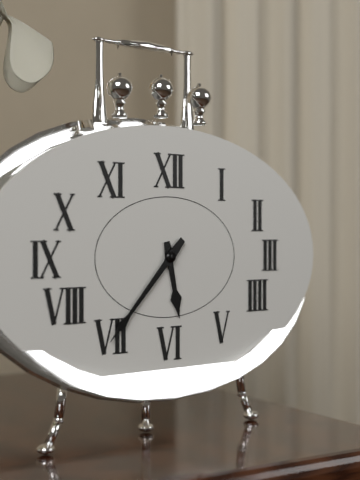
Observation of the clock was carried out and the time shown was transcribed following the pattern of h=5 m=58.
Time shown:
h=5 m=37
